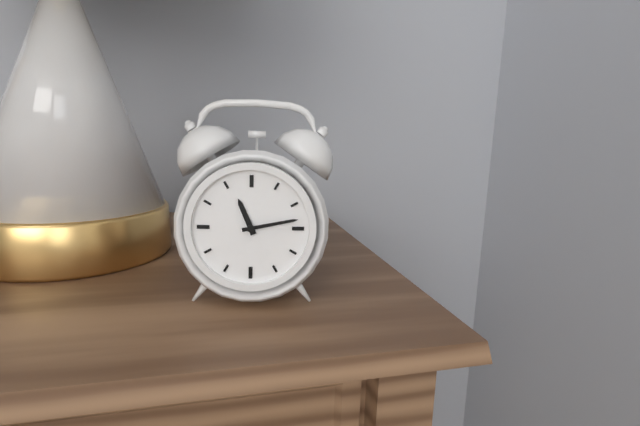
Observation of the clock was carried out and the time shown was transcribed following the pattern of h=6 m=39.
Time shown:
h=11 m=13
